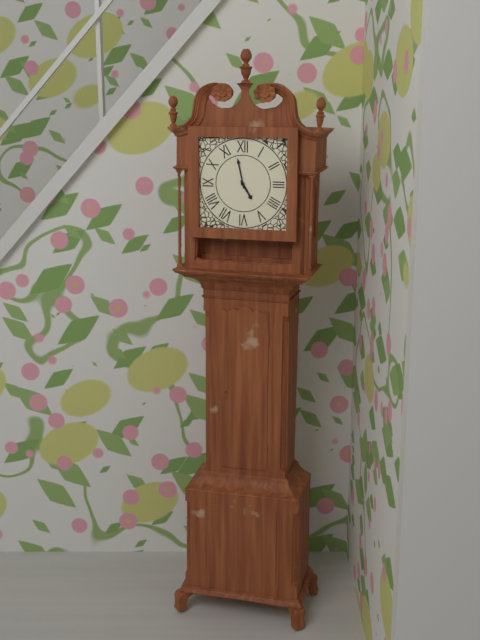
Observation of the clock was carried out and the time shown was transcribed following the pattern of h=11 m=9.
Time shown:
h=4 m=58
